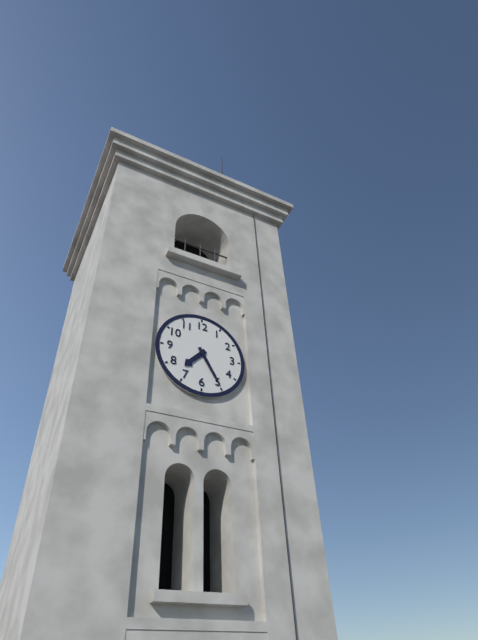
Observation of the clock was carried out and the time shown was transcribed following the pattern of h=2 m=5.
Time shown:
h=7 m=25
